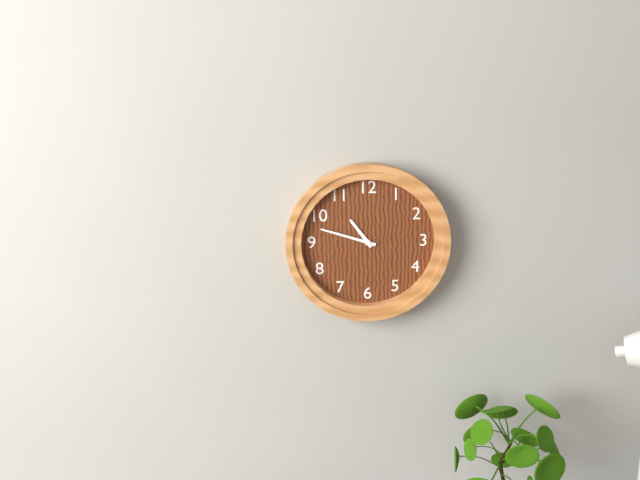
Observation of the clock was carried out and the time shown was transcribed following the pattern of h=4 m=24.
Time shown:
h=10 m=48
